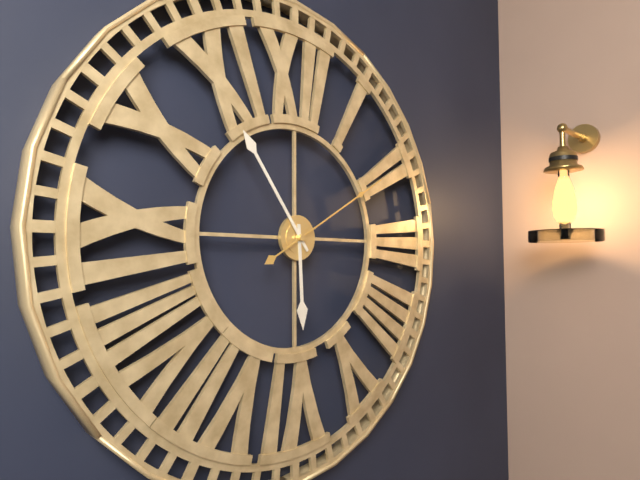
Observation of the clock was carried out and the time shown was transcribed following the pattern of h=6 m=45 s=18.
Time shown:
h=5 m=54 s=10
